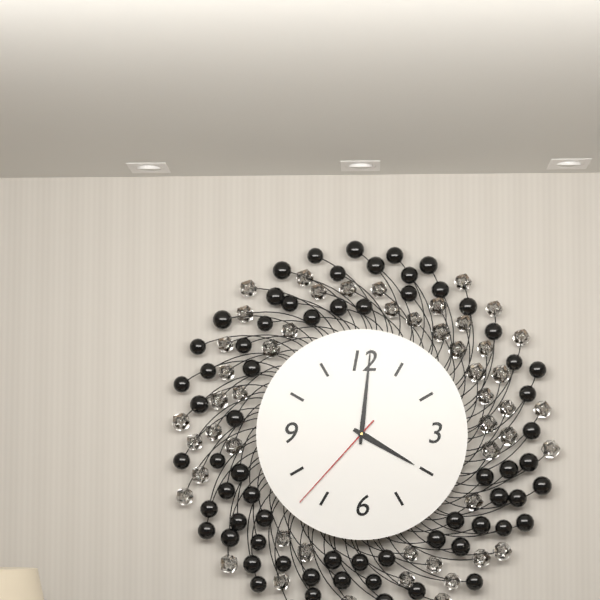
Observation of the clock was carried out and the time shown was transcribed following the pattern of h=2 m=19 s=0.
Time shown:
h=4 m=1 s=37
